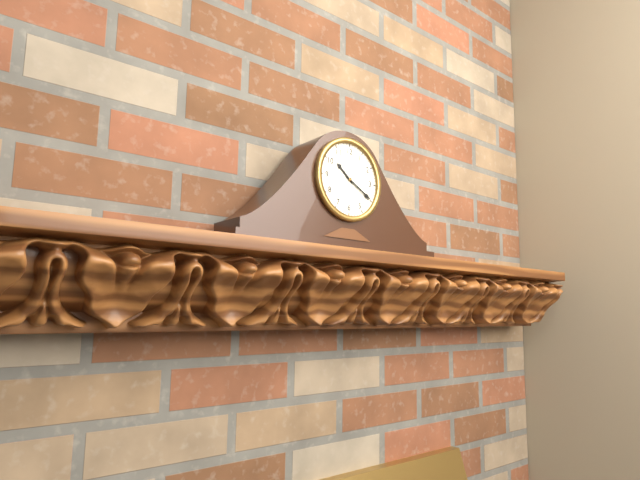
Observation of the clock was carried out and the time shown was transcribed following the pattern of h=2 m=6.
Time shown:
h=10 m=20
